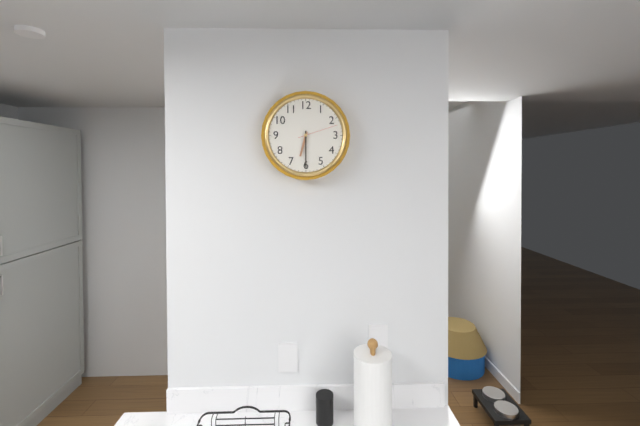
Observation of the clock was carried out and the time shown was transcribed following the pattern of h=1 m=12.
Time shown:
h=6 m=30
